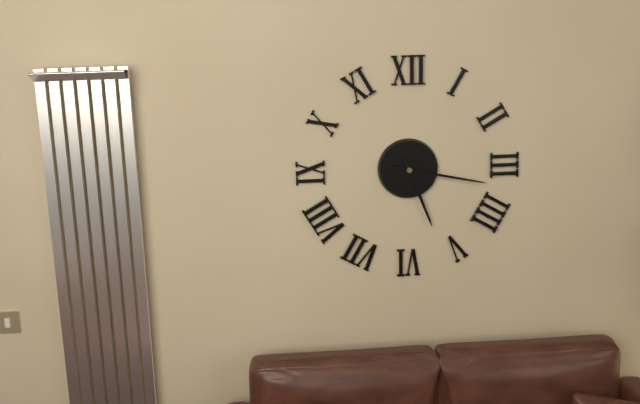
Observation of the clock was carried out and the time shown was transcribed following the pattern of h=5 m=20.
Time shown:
h=5 m=17
